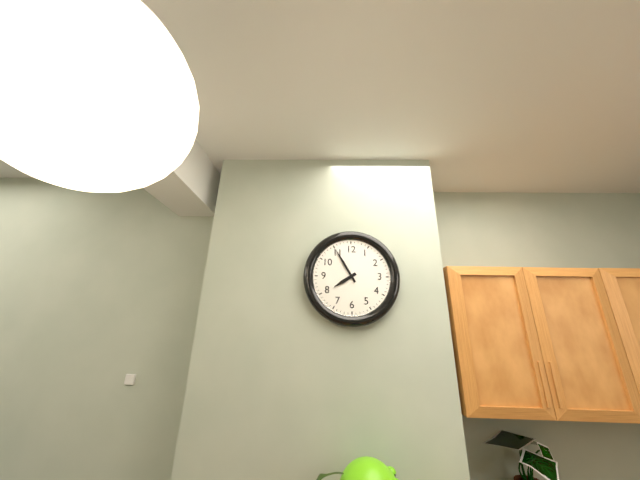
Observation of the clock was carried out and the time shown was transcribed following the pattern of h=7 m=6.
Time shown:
h=7 m=55
